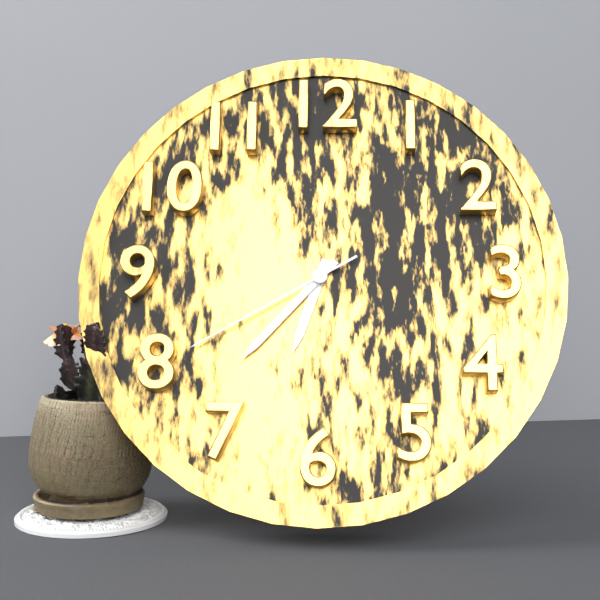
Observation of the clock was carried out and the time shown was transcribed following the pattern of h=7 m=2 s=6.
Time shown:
h=6 m=37 s=40
